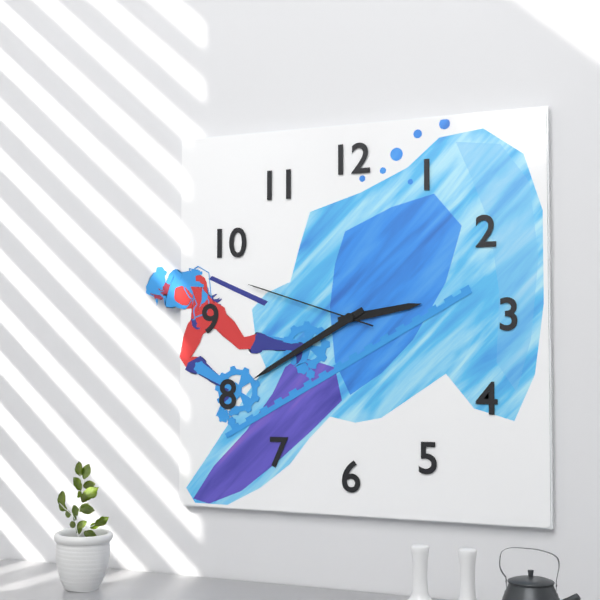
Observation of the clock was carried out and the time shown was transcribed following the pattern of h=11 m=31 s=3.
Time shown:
h=2 m=40 s=48
